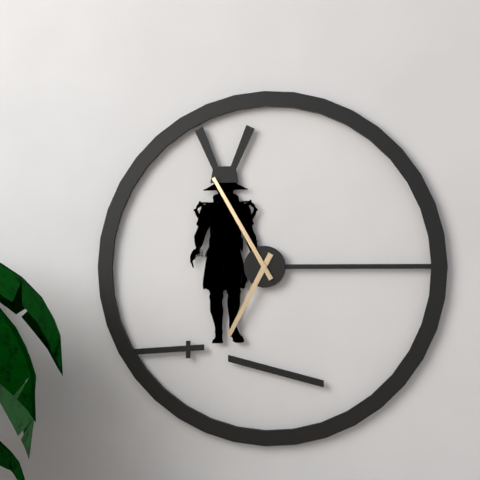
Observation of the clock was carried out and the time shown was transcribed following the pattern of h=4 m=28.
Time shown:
h=6 m=55
